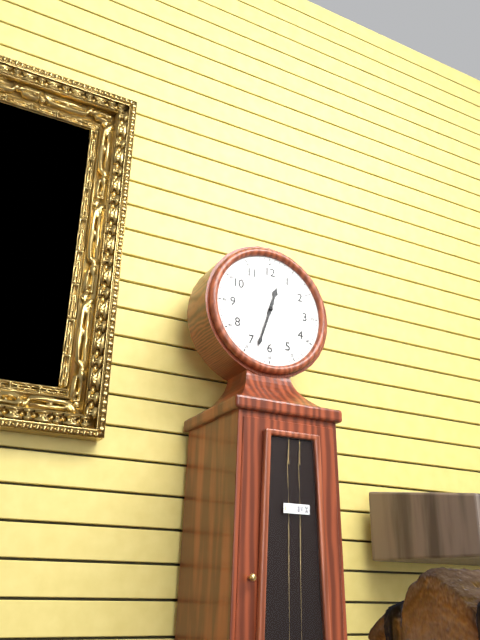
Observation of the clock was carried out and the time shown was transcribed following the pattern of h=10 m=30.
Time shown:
h=12 m=33
